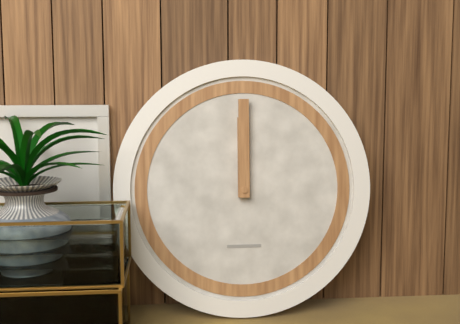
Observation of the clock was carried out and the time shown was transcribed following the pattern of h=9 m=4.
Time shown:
h=12 m=0
